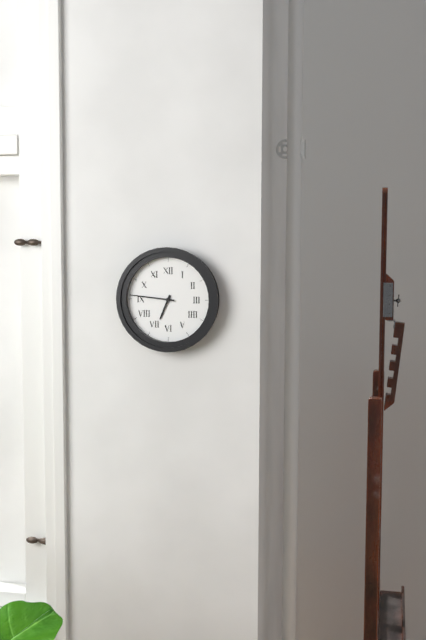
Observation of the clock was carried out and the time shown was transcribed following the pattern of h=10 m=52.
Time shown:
h=6 m=46
